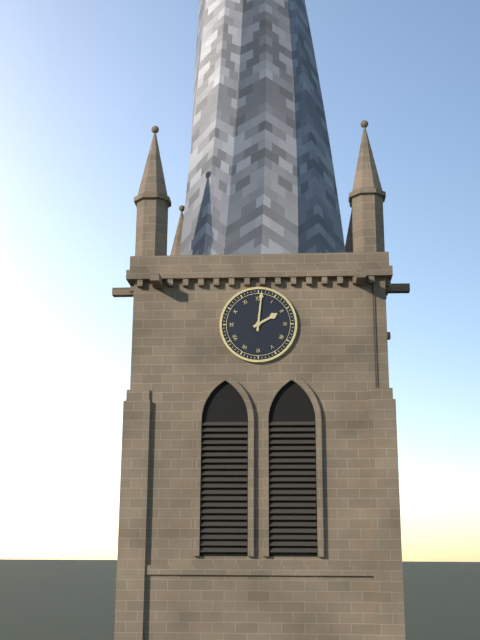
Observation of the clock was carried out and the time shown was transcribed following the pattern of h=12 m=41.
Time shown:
h=2 m=1
